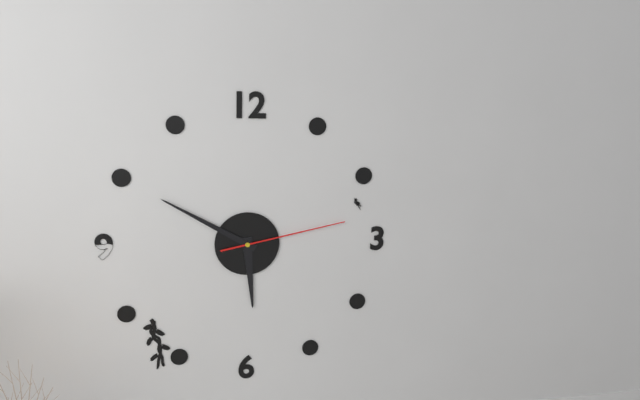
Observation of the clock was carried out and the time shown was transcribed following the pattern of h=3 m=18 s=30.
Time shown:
h=5 m=50 s=13
